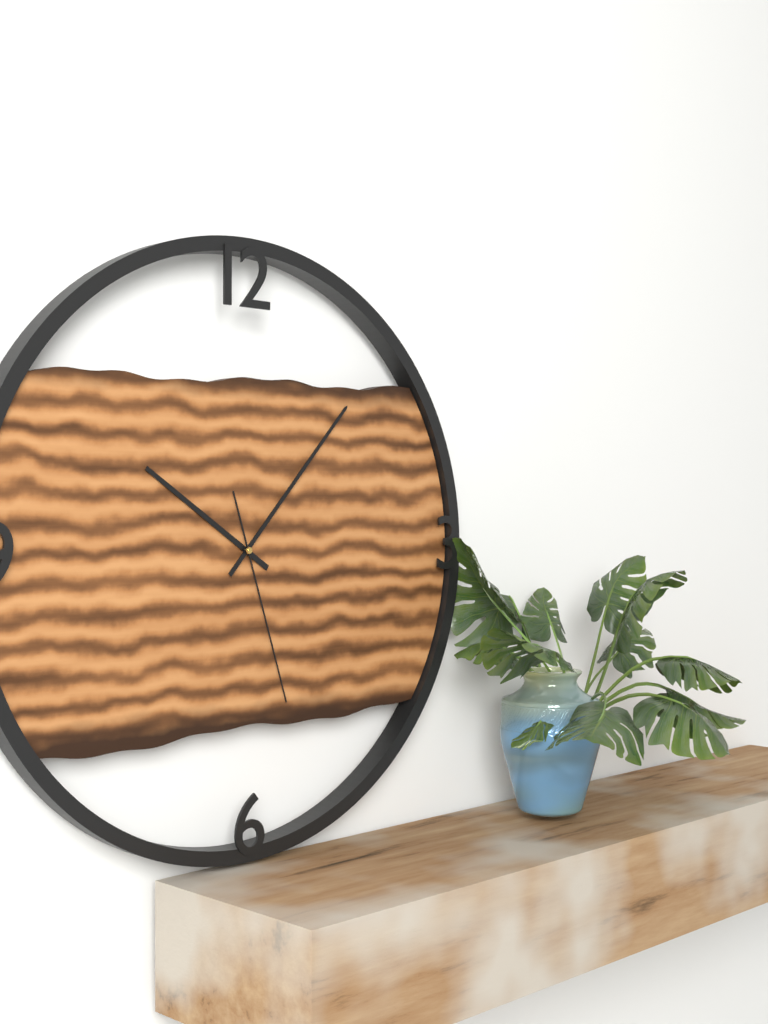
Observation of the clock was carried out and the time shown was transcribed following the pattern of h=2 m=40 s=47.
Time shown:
h=10 m=7 s=27
